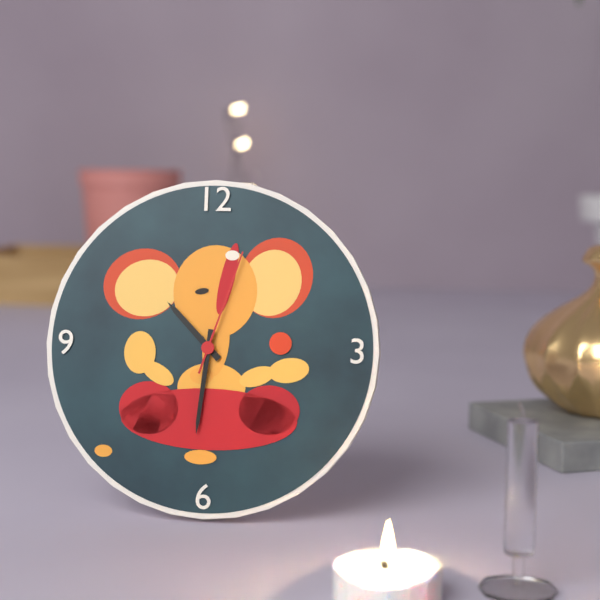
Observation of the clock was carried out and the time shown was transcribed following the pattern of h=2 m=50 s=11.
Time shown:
h=10 m=31 s=3
